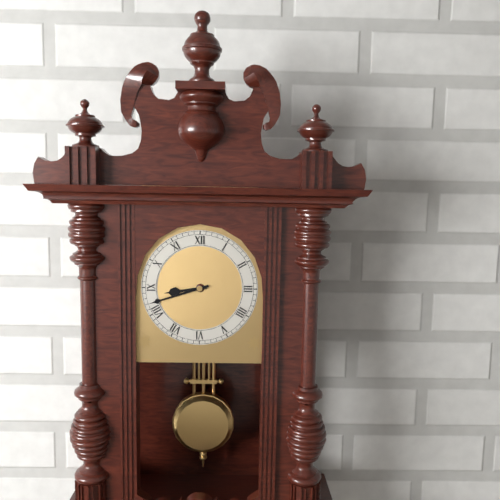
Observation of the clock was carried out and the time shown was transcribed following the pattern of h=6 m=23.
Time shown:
h=8 m=42
